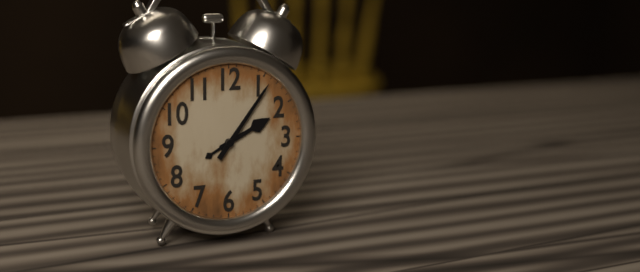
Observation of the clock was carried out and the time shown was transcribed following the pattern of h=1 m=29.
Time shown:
h=2 m=6
